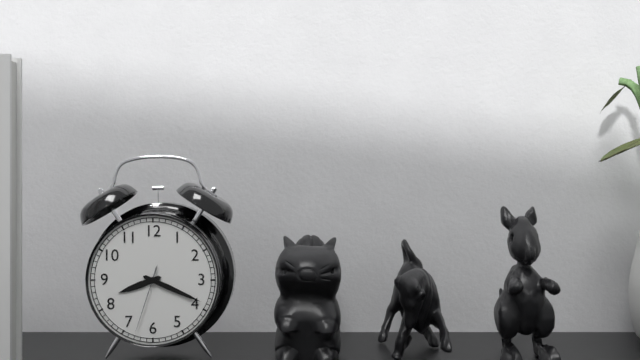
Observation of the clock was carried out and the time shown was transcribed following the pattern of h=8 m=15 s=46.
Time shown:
h=8 m=19 s=33
